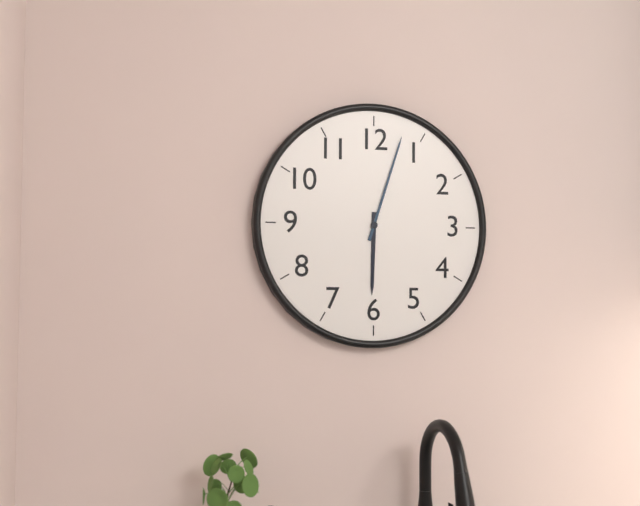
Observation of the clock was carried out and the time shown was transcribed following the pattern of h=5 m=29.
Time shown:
h=6 m=3
